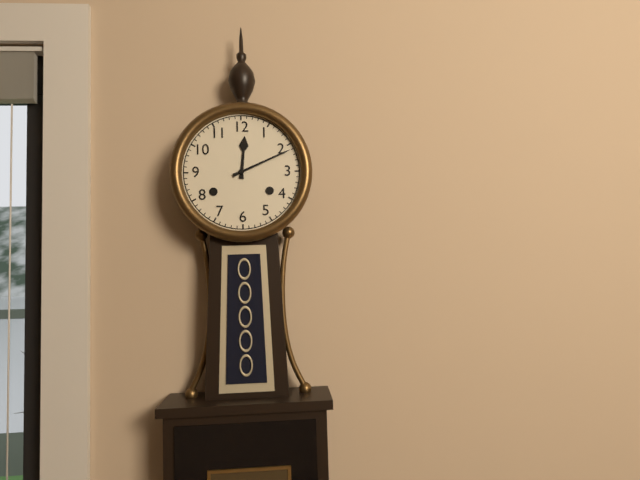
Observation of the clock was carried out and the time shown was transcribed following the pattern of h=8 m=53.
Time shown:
h=12 m=11
